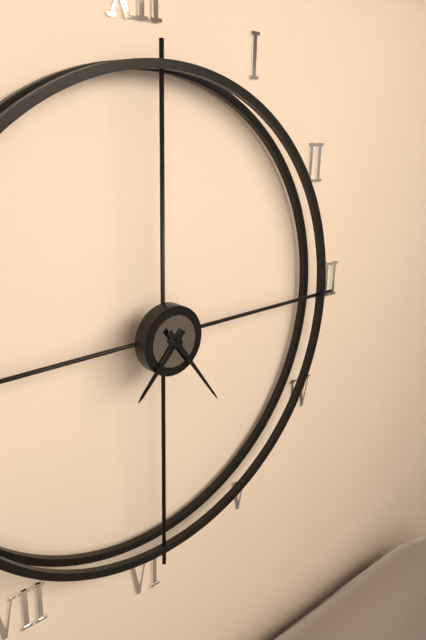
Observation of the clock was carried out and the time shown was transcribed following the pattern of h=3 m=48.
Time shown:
h=7 m=24
